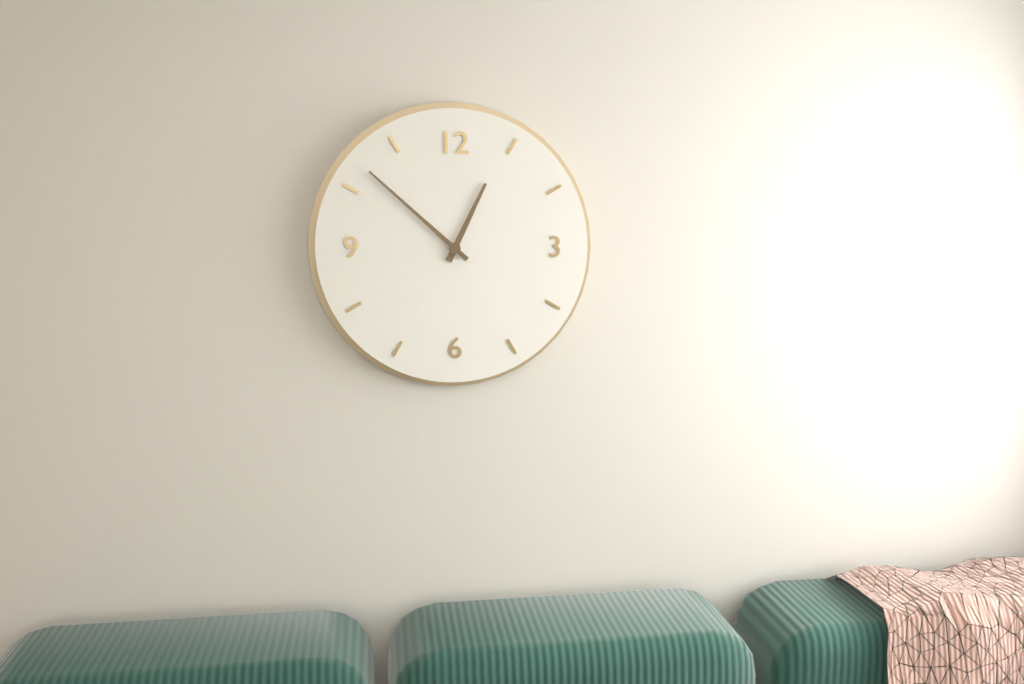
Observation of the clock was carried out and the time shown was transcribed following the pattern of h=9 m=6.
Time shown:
h=12 m=52
